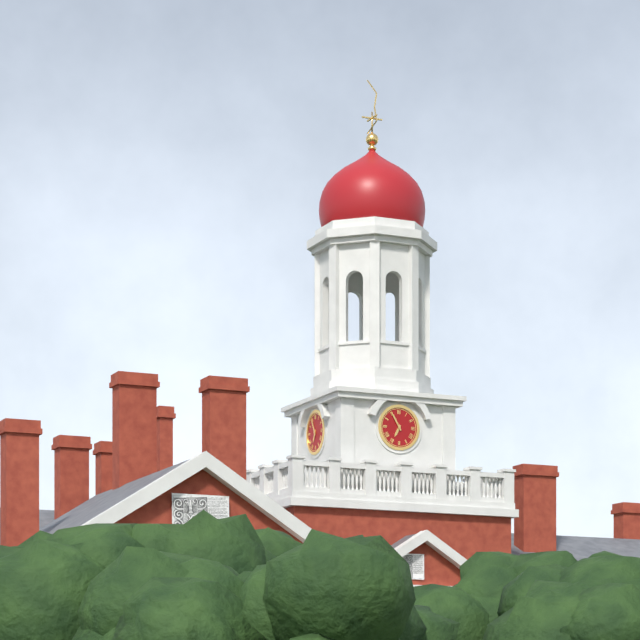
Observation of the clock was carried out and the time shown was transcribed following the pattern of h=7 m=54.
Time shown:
h=6 m=55
